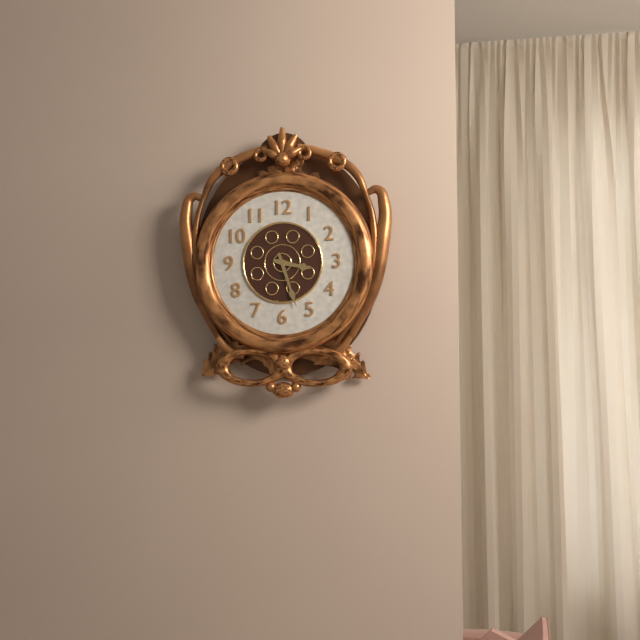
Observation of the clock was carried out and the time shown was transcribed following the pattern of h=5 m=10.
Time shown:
h=3 m=27
